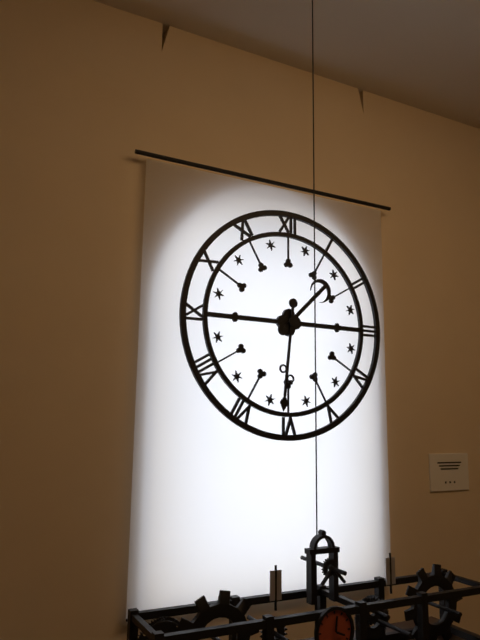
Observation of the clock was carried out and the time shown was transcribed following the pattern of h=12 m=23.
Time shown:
h=1 m=31
